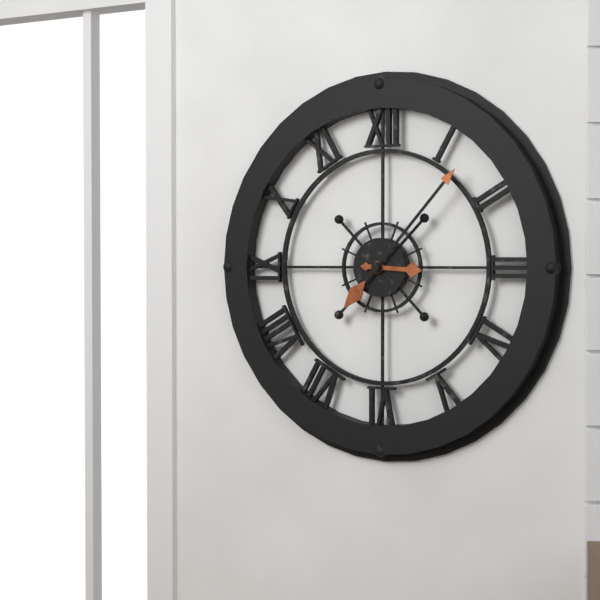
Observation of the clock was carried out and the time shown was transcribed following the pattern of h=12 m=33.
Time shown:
h=3 m=7
